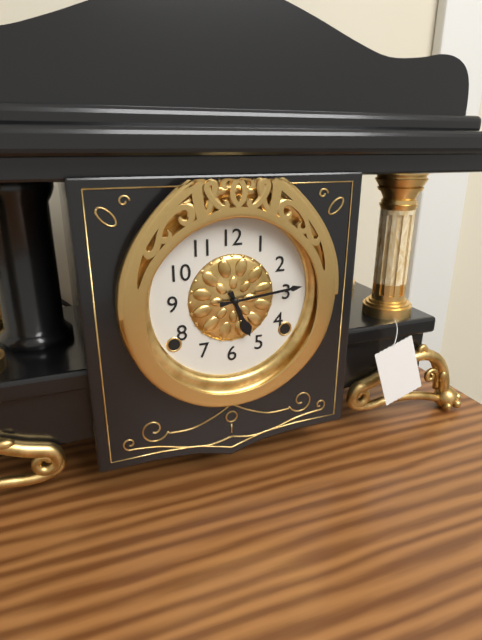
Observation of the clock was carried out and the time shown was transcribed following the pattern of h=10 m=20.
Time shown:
h=5 m=14
